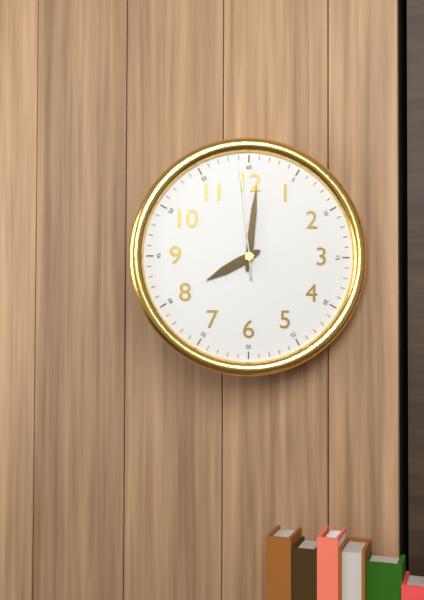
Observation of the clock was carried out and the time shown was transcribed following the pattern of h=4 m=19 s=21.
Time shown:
h=8 m=1 s=59
